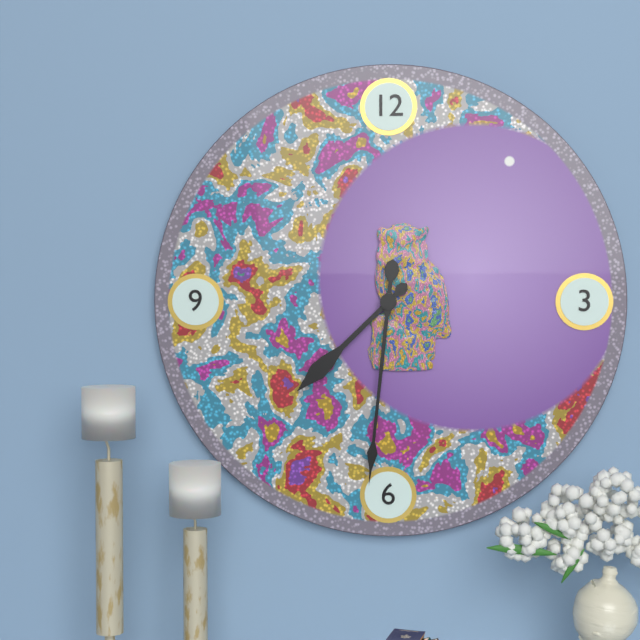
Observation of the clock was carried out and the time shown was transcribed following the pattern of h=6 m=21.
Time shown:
h=7 m=31
